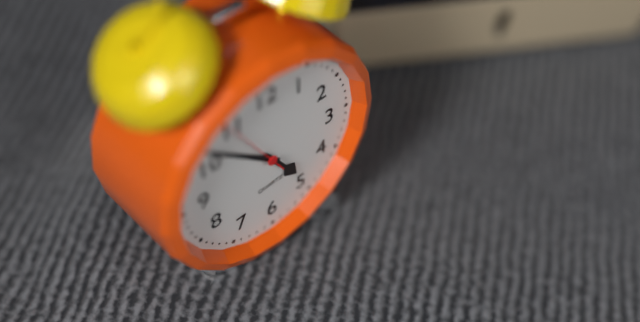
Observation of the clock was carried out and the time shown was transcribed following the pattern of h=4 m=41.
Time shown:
h=4 m=52
